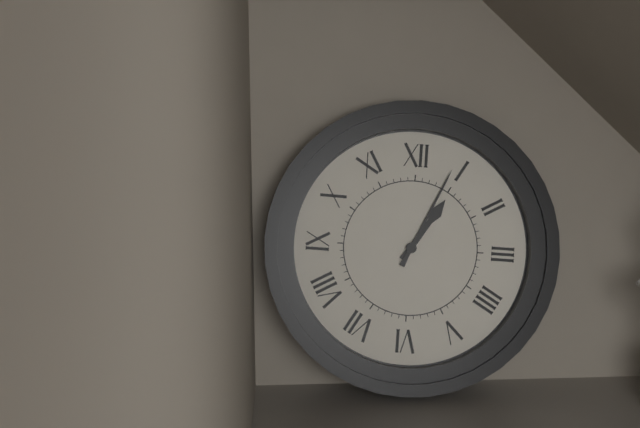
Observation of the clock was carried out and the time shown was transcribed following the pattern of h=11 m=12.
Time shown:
h=1 m=4
